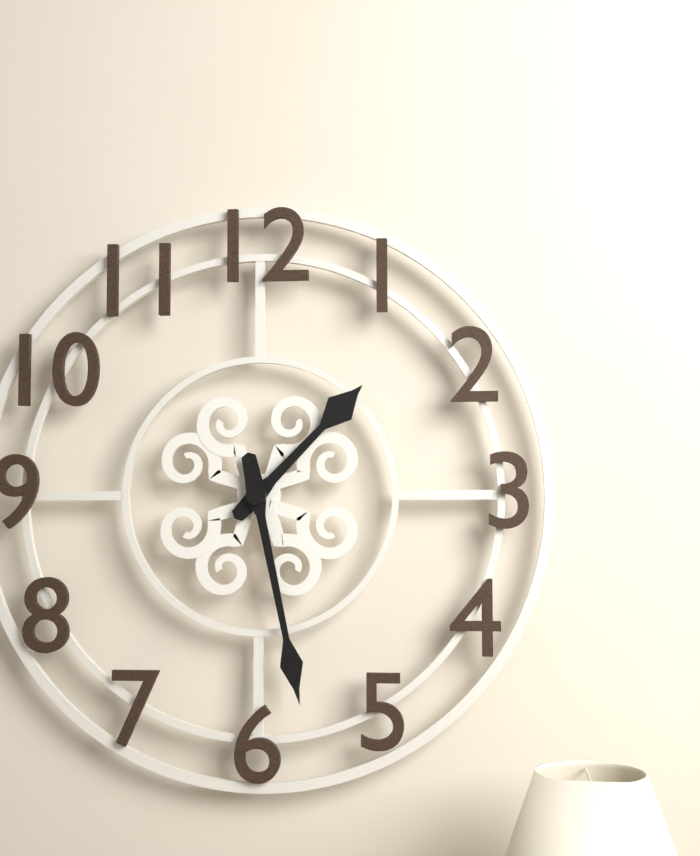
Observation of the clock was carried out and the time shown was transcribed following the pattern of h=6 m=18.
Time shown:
h=1 m=28
